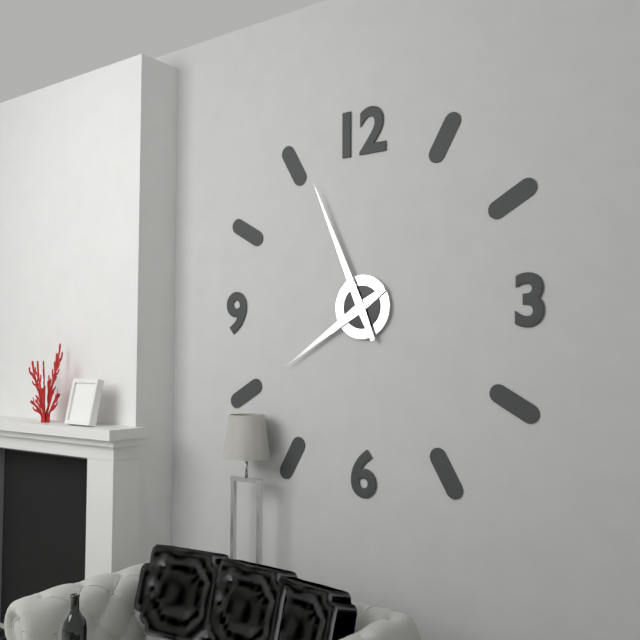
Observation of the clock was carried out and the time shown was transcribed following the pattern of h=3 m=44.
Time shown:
h=7 m=56
